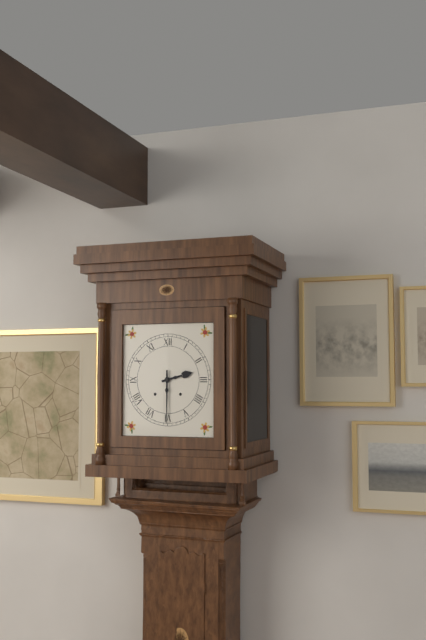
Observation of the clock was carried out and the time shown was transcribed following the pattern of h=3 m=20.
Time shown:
h=2 m=30
